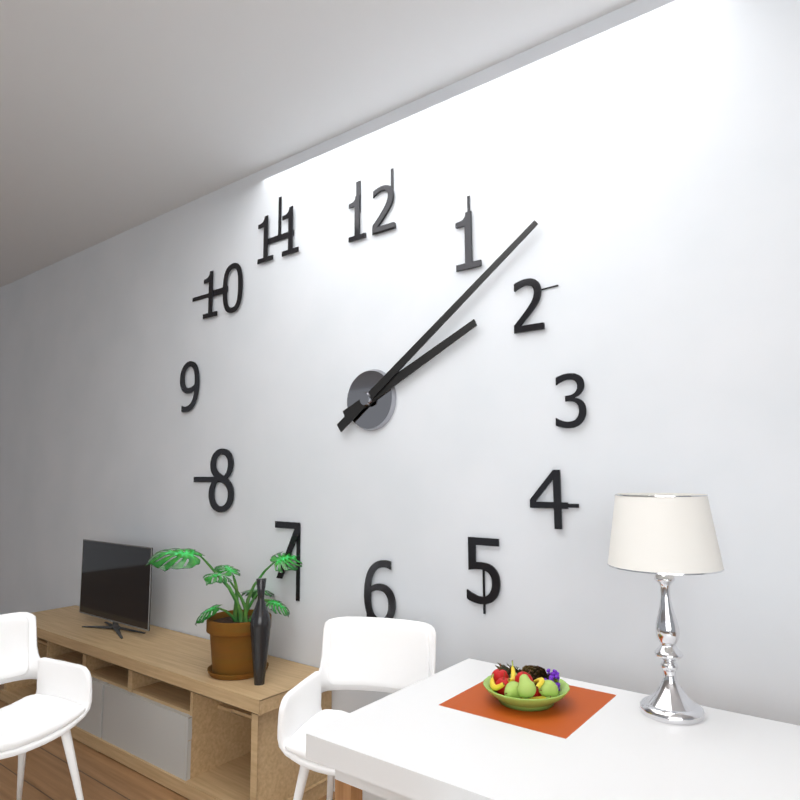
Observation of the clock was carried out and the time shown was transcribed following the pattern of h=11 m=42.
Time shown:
h=2 m=9
